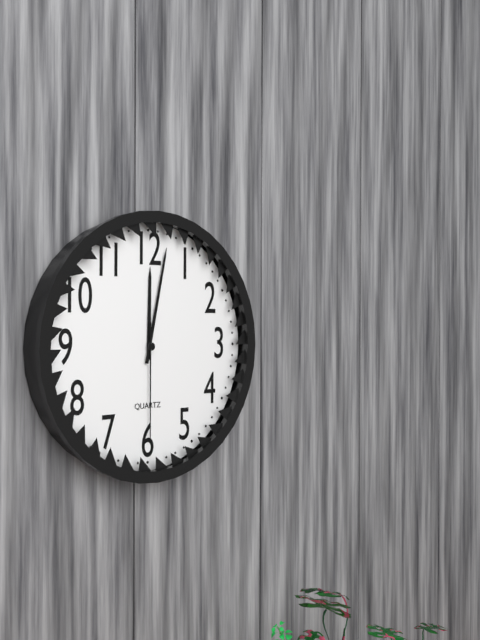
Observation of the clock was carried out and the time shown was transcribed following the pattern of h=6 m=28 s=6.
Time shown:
h=12 m=2 s=30
